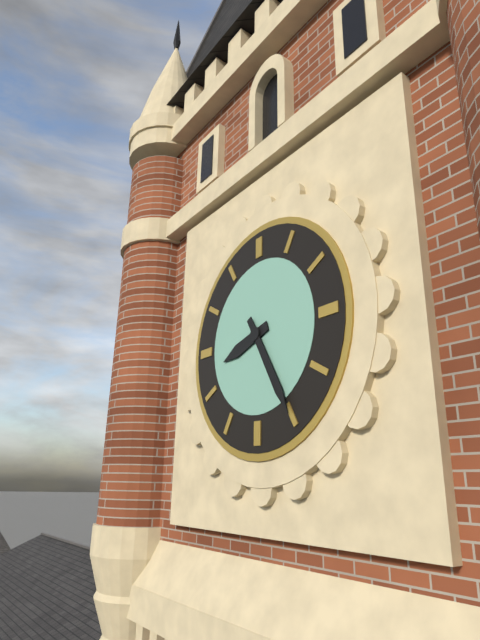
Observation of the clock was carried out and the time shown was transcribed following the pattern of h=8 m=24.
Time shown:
h=8 m=25
